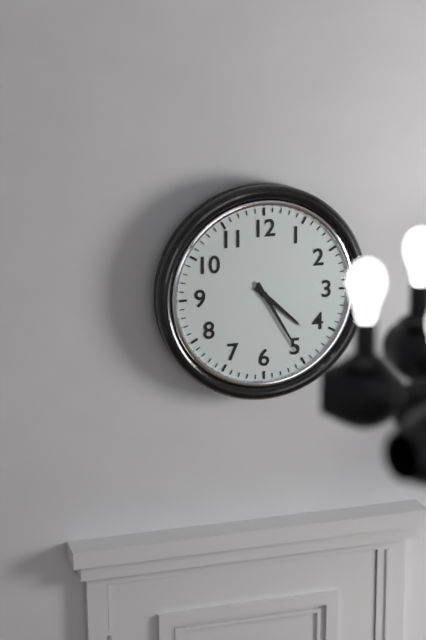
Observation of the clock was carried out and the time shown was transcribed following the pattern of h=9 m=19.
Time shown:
h=4 m=25
